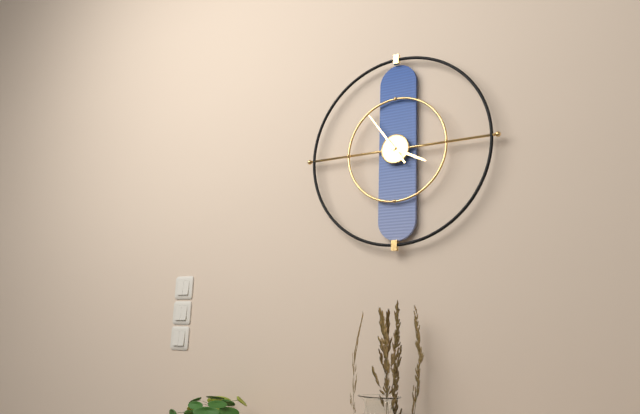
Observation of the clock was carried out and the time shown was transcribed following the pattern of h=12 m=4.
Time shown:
h=3 m=54
